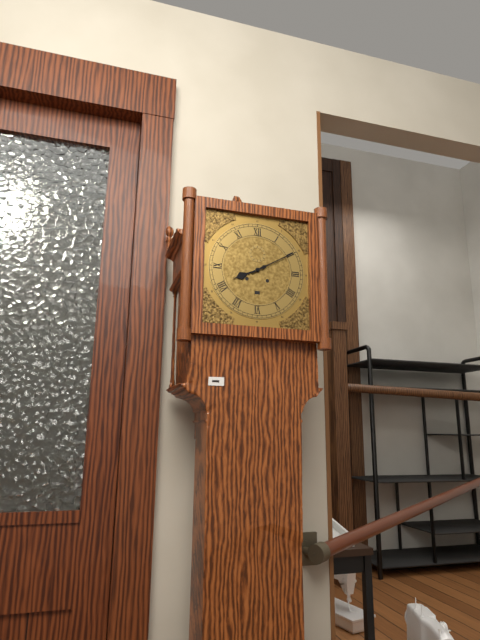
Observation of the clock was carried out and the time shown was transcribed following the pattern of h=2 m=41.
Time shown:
h=8 m=10
